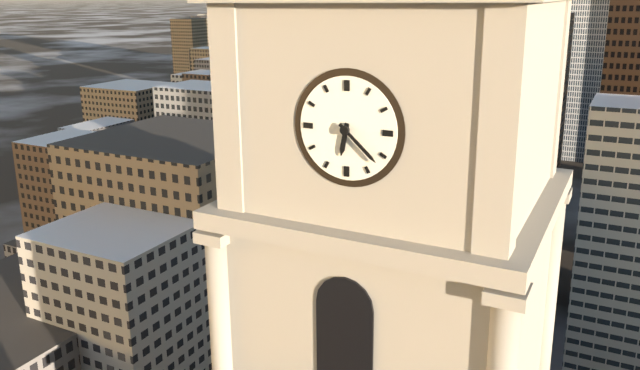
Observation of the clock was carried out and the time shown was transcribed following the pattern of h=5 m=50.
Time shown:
h=6 m=22
